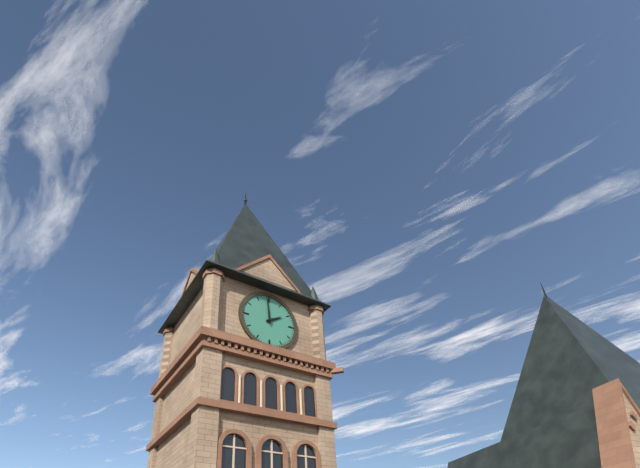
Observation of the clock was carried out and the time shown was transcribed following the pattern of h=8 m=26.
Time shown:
h=1 m=59
